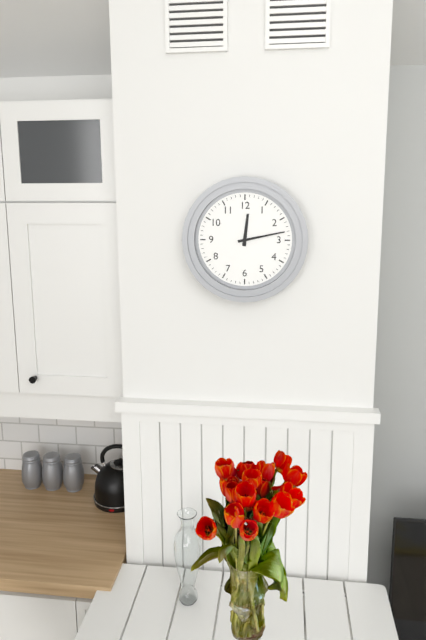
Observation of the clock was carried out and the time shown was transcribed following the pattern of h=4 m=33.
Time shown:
h=12 m=13
